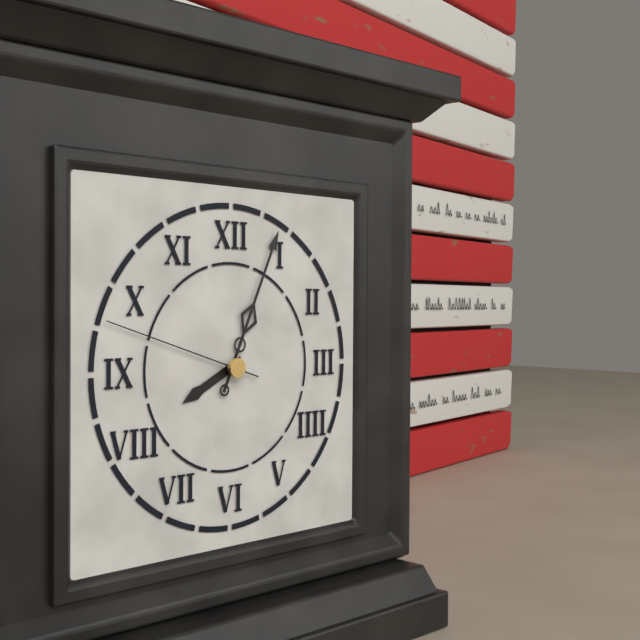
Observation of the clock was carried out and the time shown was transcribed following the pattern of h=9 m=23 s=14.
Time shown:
h=8 m=4 s=48
